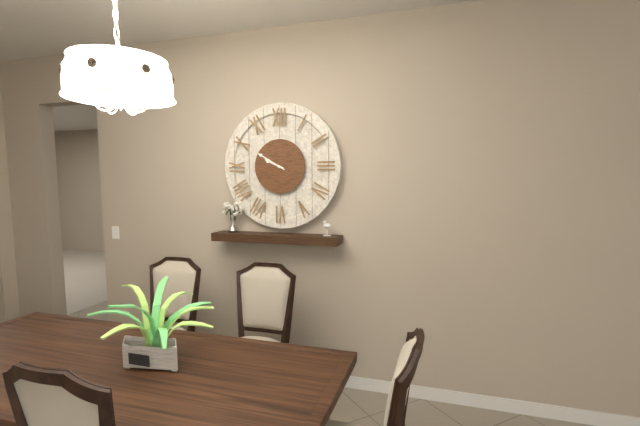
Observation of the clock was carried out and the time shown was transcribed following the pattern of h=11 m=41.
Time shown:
h=9 m=50
